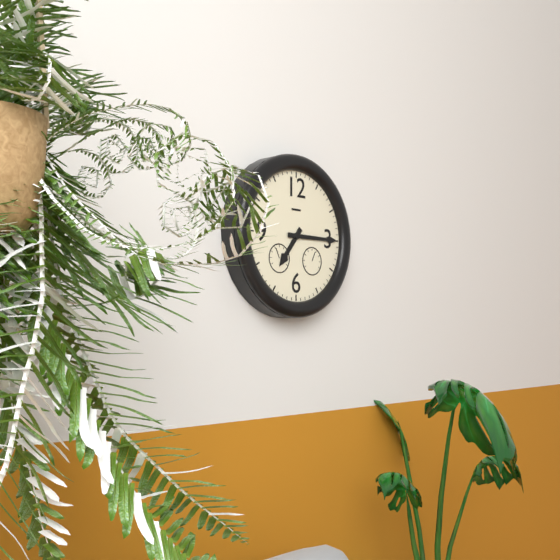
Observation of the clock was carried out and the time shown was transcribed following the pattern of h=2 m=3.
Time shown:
h=7 m=15
